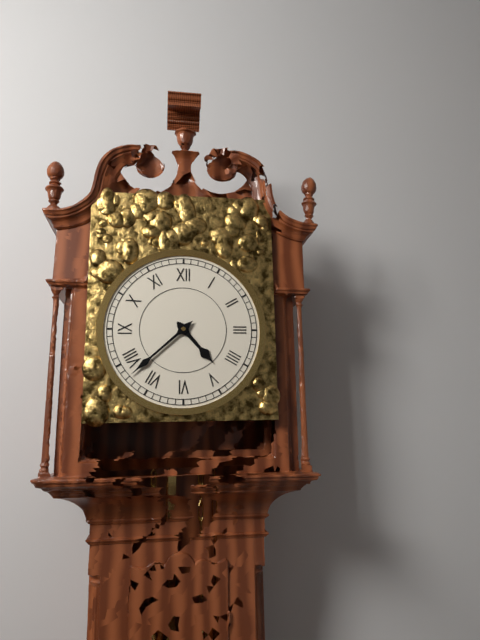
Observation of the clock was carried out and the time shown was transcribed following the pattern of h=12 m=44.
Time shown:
h=4 m=38
